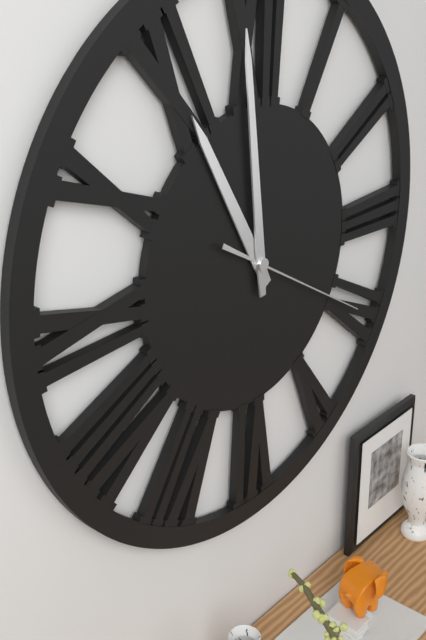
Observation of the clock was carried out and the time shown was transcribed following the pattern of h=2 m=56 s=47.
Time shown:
h=10 m=59 s=20
